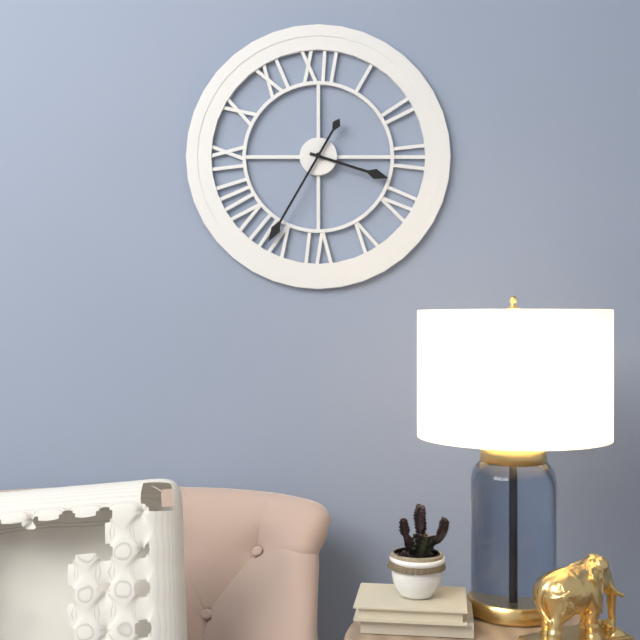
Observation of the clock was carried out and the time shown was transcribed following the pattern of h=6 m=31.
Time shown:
h=3 m=35
